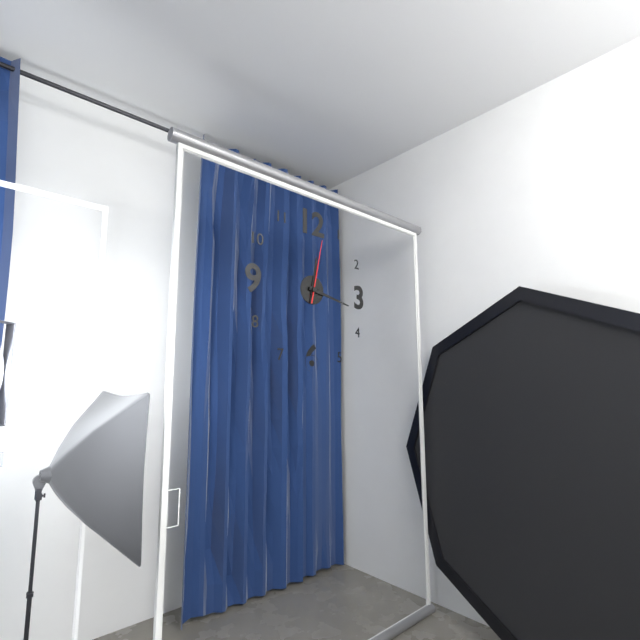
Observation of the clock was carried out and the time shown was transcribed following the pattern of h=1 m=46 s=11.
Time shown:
h=12 m=17 s=2
